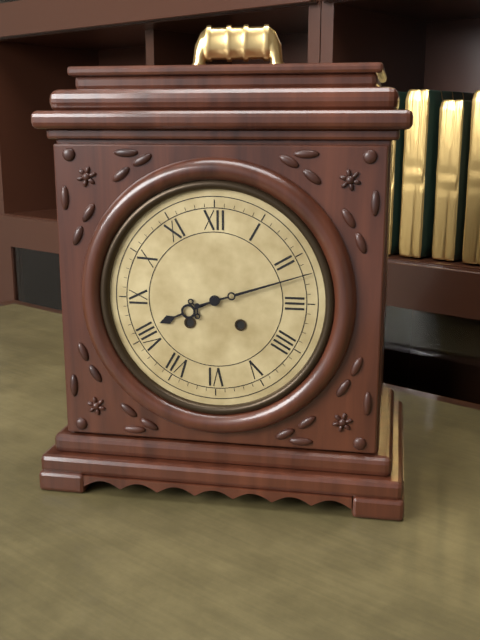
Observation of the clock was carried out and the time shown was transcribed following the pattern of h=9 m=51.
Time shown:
h=8 m=12
